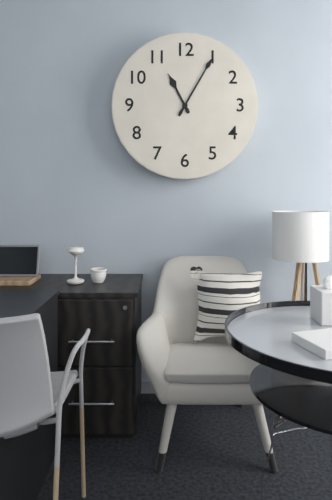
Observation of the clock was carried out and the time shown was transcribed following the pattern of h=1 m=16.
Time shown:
h=11 m=5
